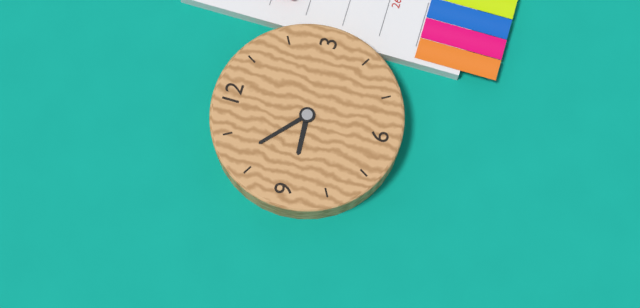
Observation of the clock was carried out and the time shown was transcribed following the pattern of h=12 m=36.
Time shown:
h=8 m=52
